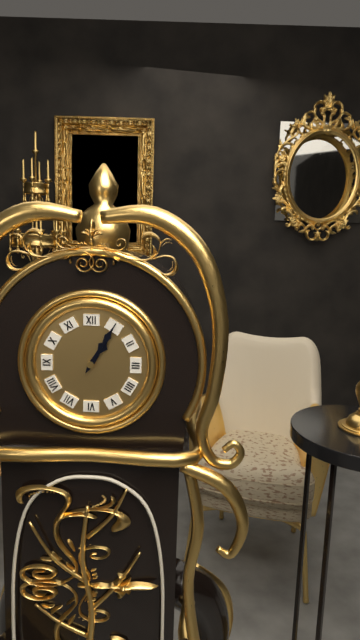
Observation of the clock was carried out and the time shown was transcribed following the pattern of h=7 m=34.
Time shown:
h=1 m=5
